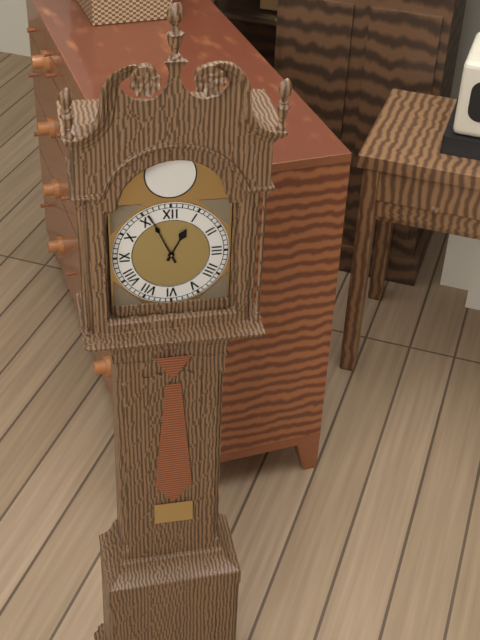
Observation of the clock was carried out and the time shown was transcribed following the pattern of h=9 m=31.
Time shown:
h=12 m=56
